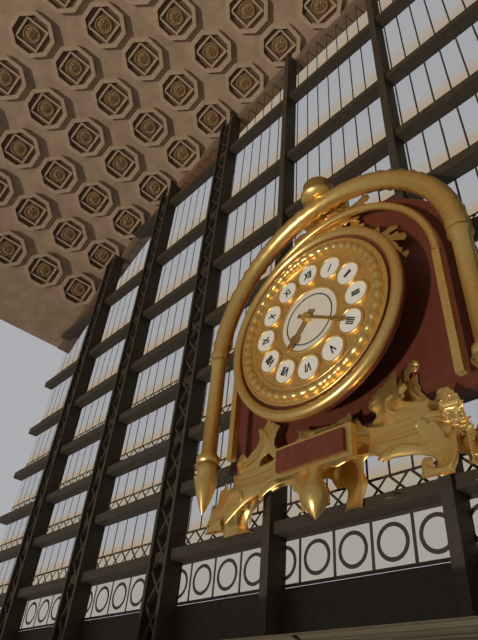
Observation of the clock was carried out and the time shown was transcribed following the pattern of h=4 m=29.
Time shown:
h=7 m=20
